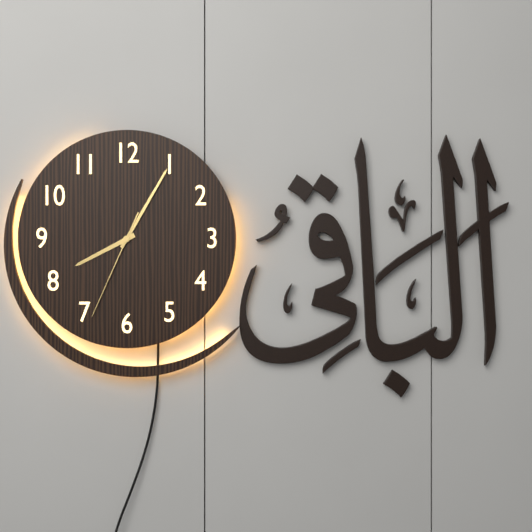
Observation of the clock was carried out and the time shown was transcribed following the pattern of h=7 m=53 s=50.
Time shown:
h=8 m=5 s=34
